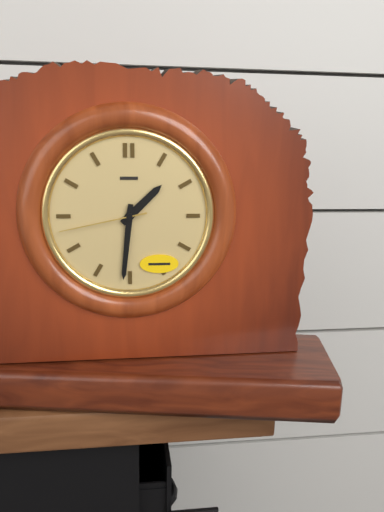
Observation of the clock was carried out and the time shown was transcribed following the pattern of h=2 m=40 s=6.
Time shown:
h=1 m=31 s=43
